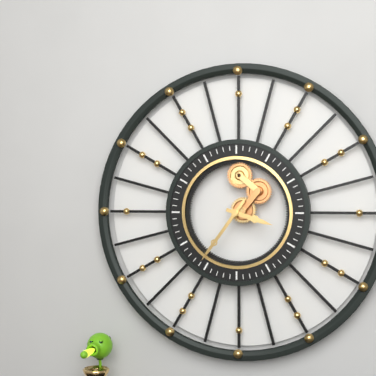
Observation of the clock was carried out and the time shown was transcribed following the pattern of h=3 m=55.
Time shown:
h=3 m=36
